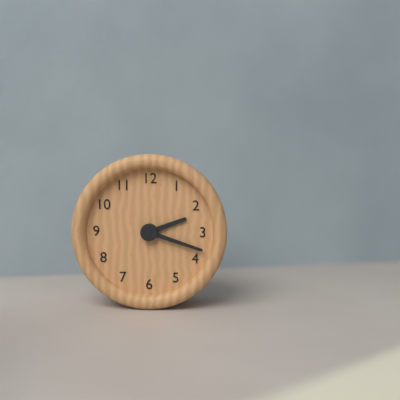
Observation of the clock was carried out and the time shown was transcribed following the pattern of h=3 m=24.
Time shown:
h=2 m=18
